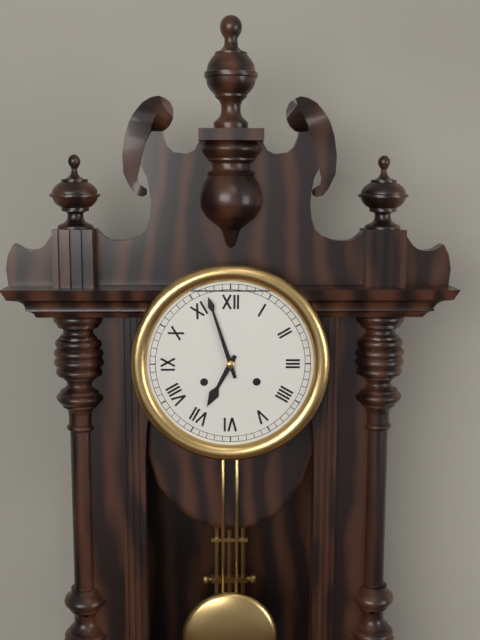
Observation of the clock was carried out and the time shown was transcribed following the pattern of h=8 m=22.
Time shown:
h=6 m=57
